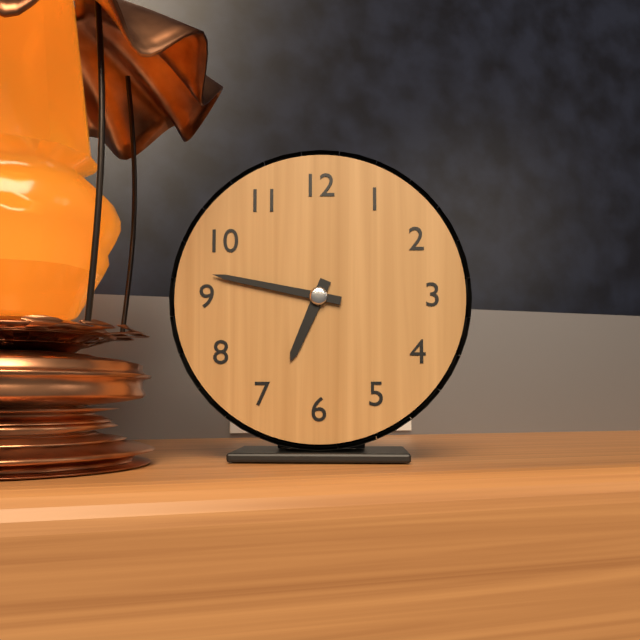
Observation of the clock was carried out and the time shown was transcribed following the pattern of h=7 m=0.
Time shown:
h=6 m=47
